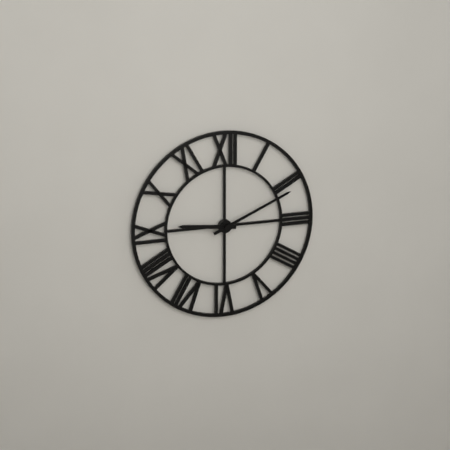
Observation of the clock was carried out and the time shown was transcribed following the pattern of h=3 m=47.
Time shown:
h=9 m=11
